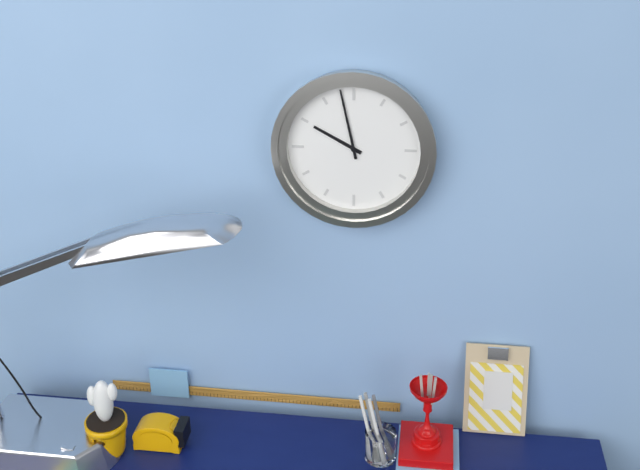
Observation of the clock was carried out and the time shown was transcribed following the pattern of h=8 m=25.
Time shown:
h=9 m=58
